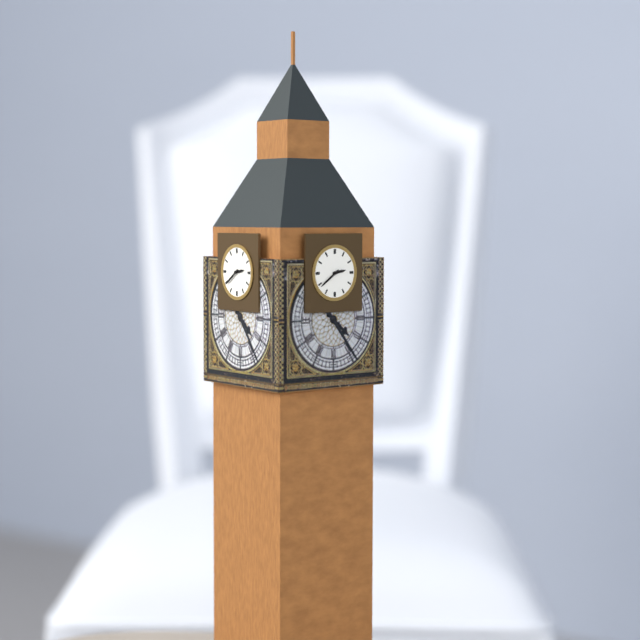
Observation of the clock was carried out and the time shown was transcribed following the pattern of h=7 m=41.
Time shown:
h=2 m=39
